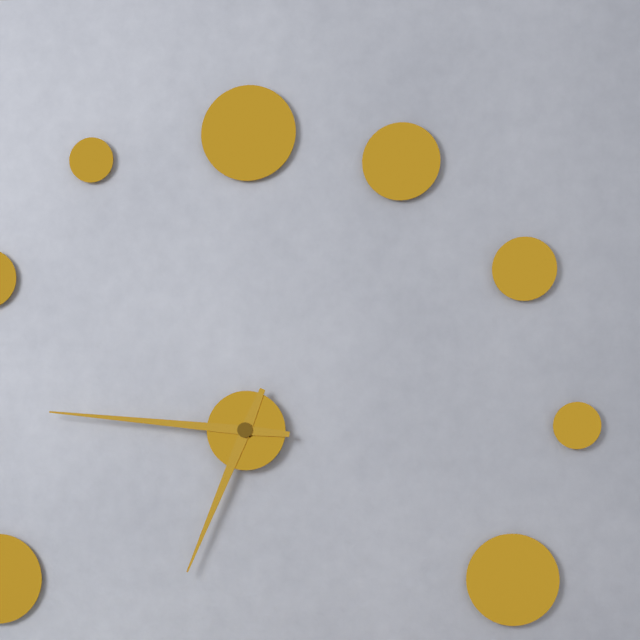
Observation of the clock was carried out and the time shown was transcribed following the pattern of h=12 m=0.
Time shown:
h=6 m=46
